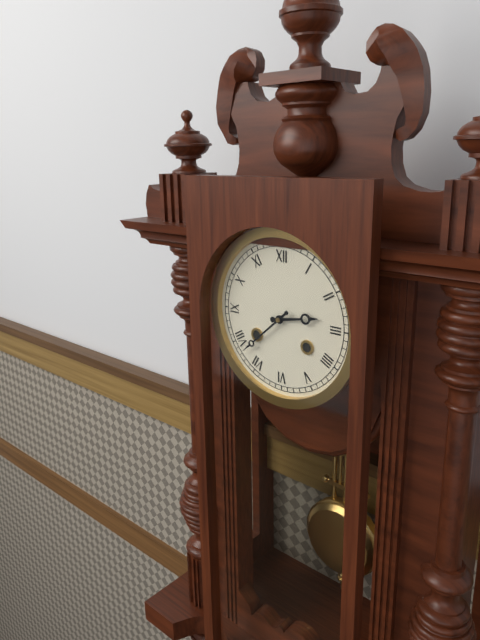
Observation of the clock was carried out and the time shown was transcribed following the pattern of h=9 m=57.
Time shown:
h=2 m=38
